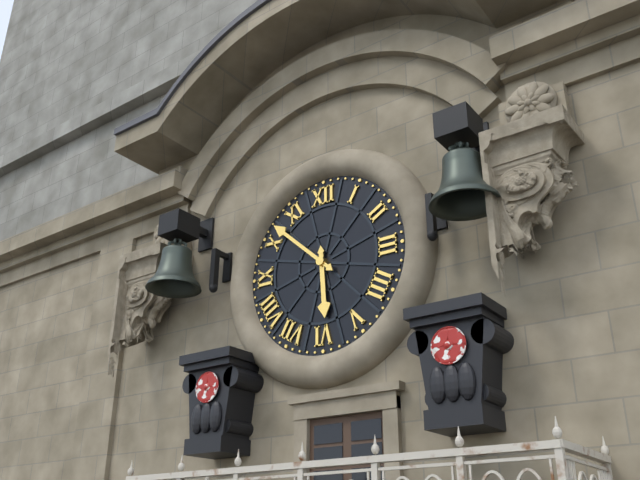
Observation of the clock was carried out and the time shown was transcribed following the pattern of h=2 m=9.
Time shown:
h=5 m=52
